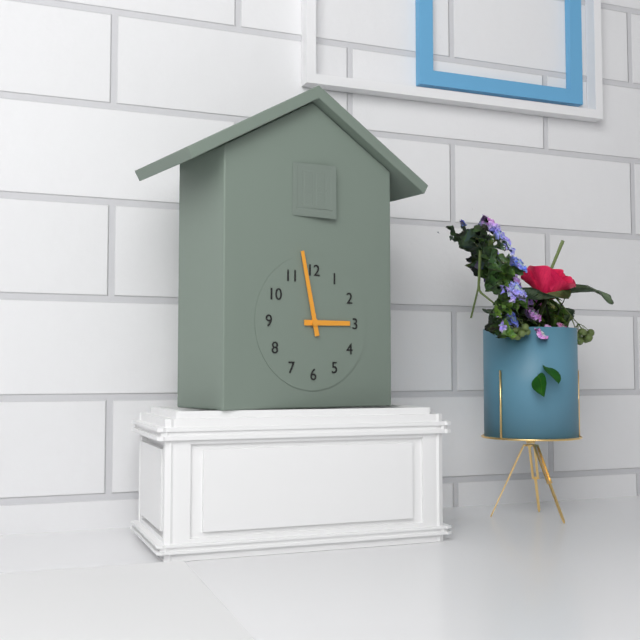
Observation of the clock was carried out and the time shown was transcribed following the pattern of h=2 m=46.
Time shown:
h=2 m=58
